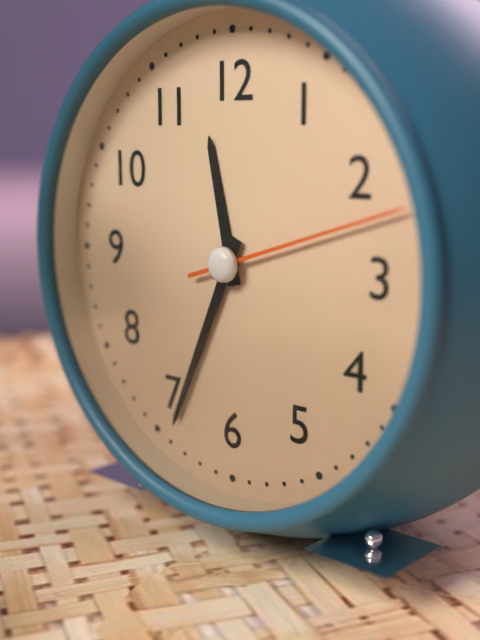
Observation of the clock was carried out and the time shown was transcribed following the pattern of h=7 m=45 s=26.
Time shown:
h=11 m=34 s=12
